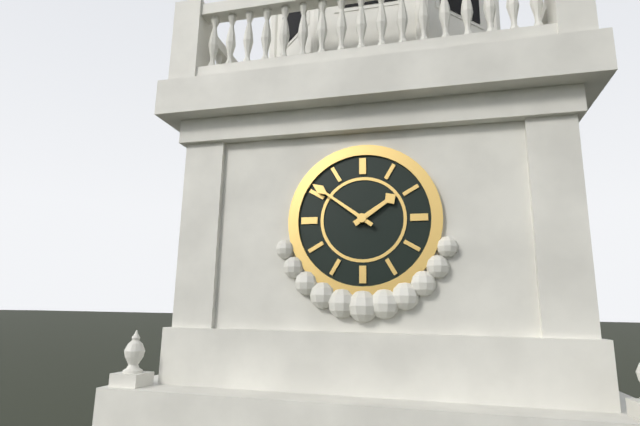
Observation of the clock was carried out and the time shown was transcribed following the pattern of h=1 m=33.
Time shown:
h=1 m=51
